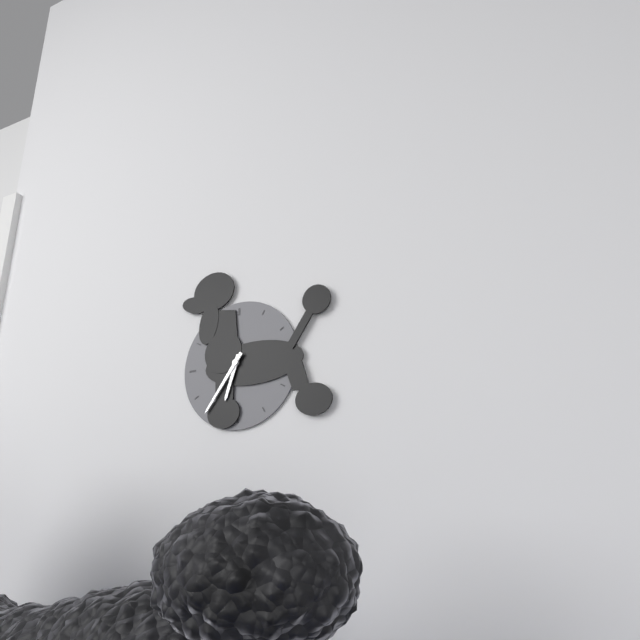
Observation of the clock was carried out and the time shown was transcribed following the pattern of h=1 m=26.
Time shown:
h=6 m=36
